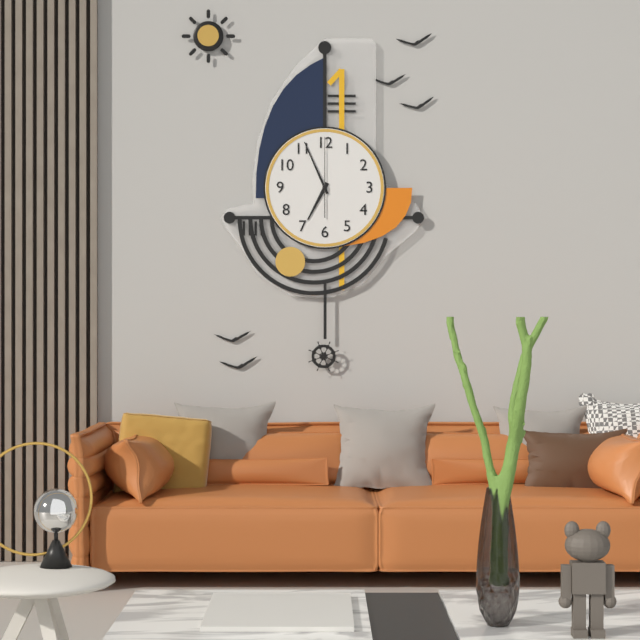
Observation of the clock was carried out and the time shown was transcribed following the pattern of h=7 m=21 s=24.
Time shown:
h=6 m=56 s=0
